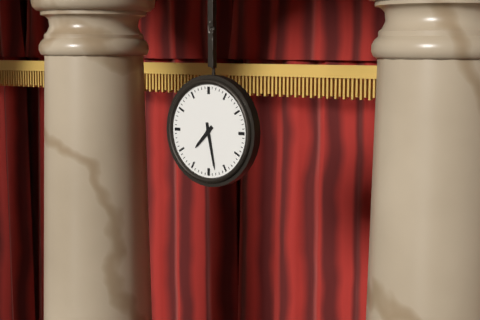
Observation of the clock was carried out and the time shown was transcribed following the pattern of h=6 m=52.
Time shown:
h=7 m=28
